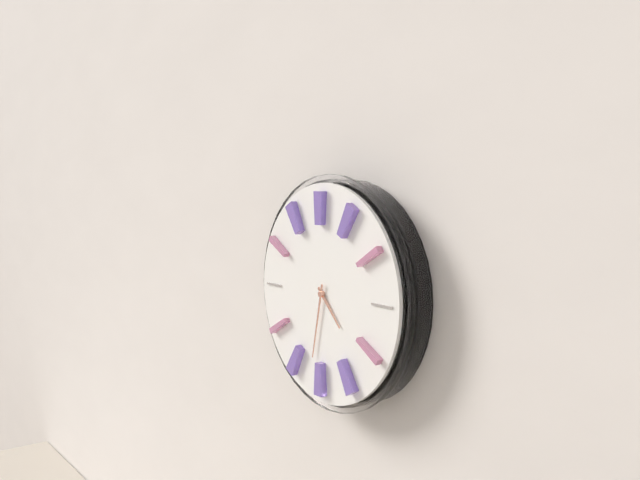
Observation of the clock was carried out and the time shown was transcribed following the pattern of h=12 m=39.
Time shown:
h=4 m=32
